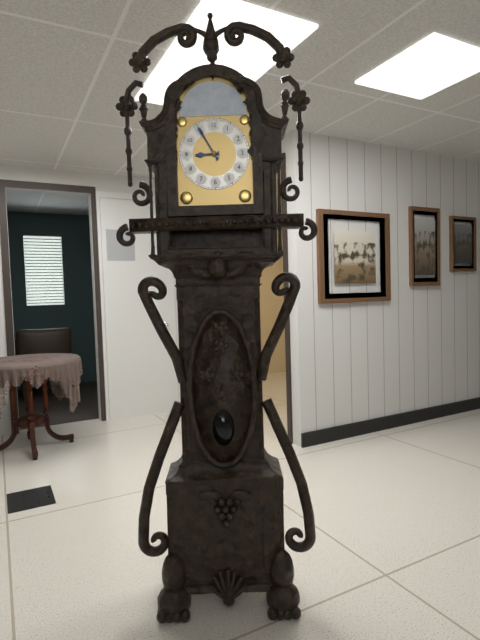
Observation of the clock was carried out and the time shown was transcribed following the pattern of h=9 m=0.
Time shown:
h=8 m=55
